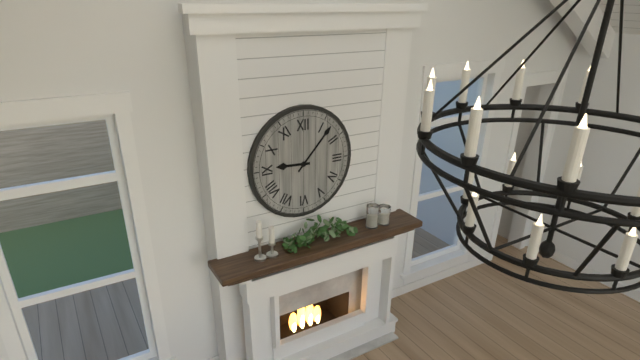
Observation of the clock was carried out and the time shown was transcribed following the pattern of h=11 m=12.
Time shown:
h=9 m=7
